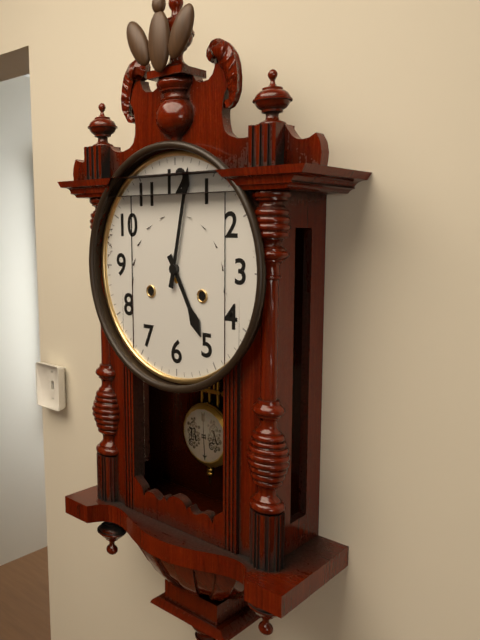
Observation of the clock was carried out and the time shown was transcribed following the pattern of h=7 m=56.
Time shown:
h=5 m=2
